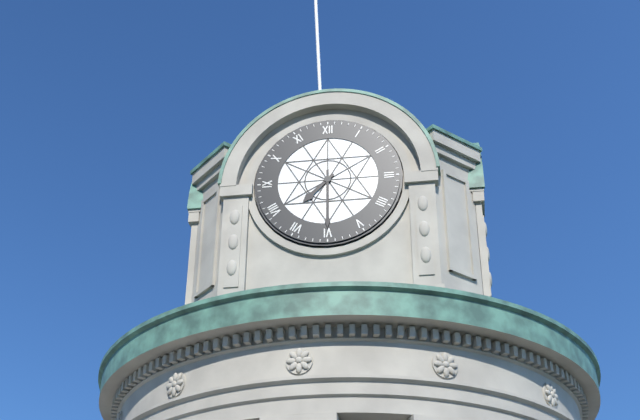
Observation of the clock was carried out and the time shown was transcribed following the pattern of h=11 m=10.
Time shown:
h=7 m=30
